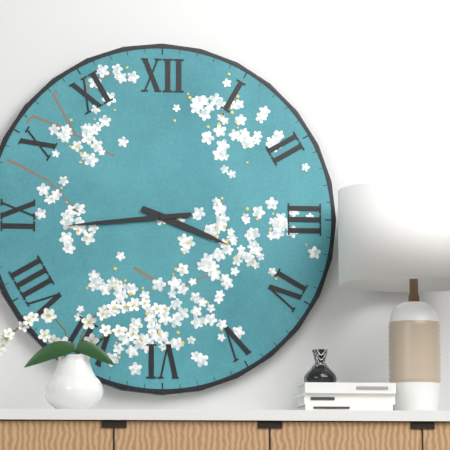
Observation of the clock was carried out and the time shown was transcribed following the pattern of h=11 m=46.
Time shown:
h=3 m=44
